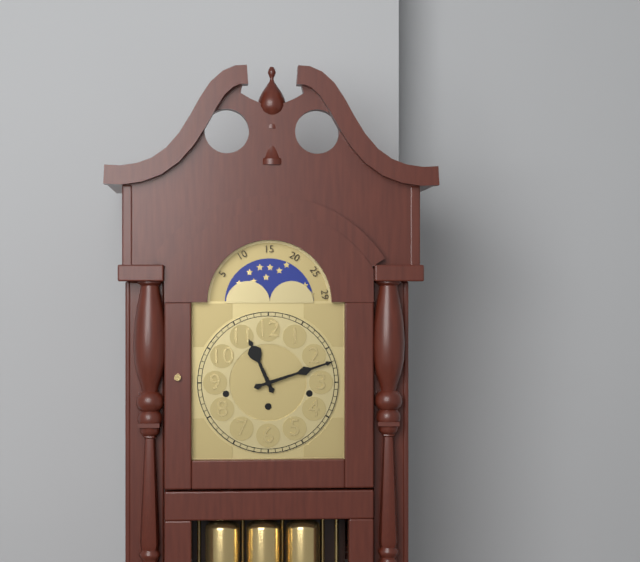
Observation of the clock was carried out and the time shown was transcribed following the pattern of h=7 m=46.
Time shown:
h=11 m=12
